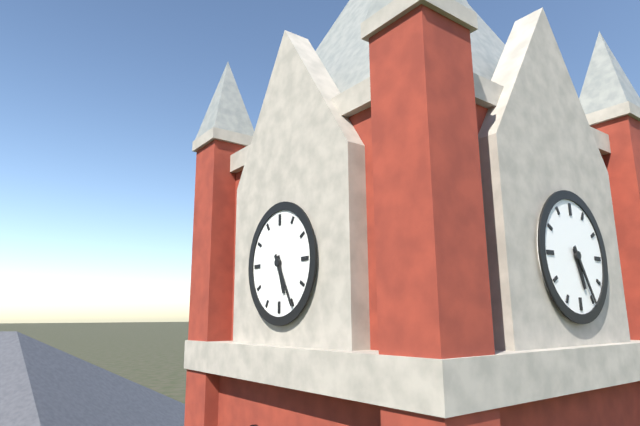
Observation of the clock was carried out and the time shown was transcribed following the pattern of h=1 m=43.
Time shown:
h=5 m=25
